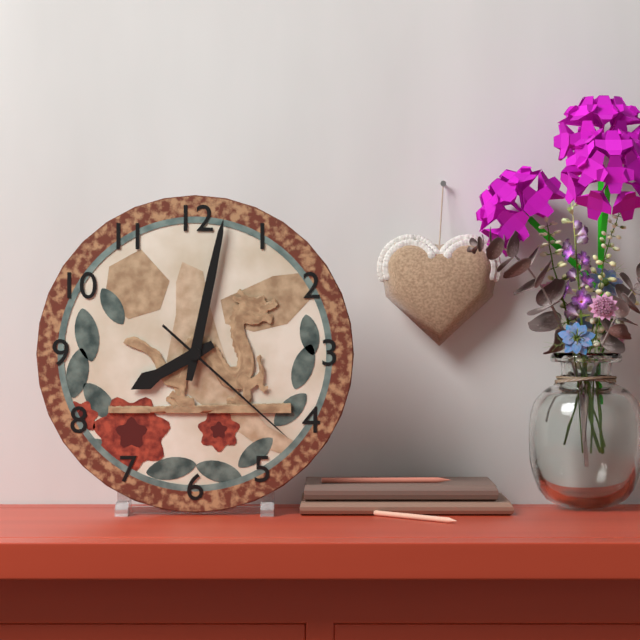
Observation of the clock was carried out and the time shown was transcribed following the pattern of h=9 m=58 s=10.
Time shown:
h=8 m=2 s=22
